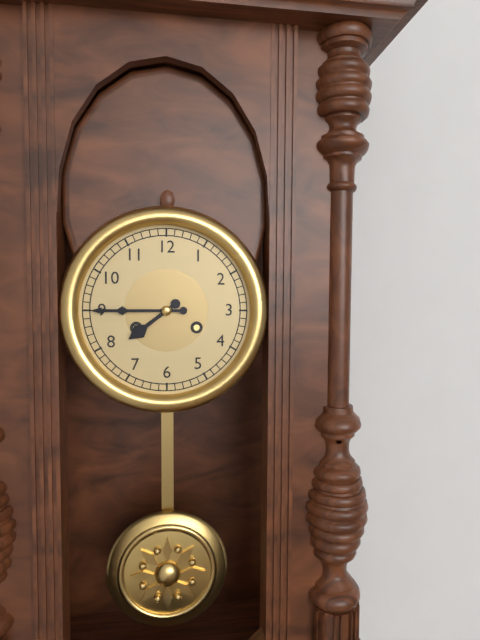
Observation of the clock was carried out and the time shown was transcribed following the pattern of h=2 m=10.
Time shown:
h=7 m=45
